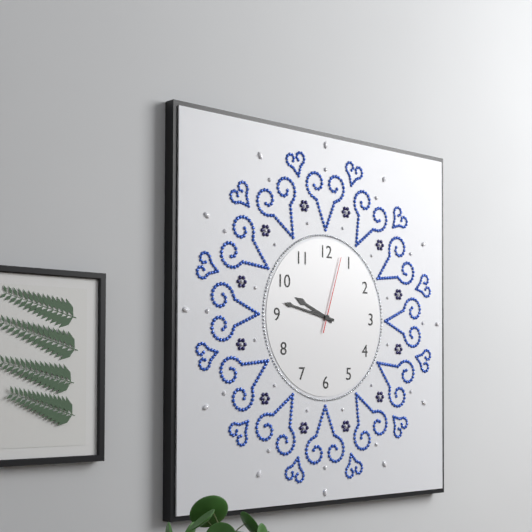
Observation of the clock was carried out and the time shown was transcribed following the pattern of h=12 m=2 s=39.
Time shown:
h=9 m=47 s=3
